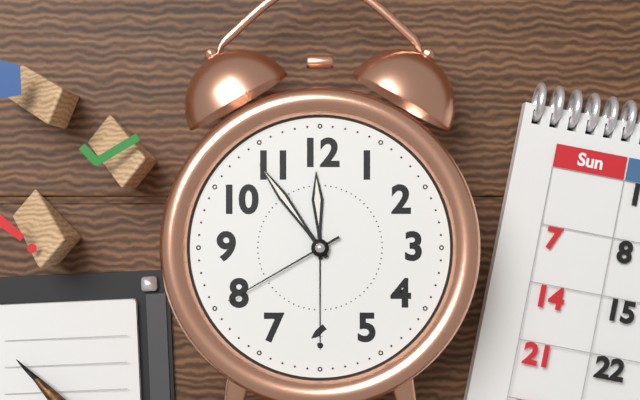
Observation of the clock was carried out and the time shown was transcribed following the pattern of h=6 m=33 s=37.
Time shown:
h=11 m=54 s=40
